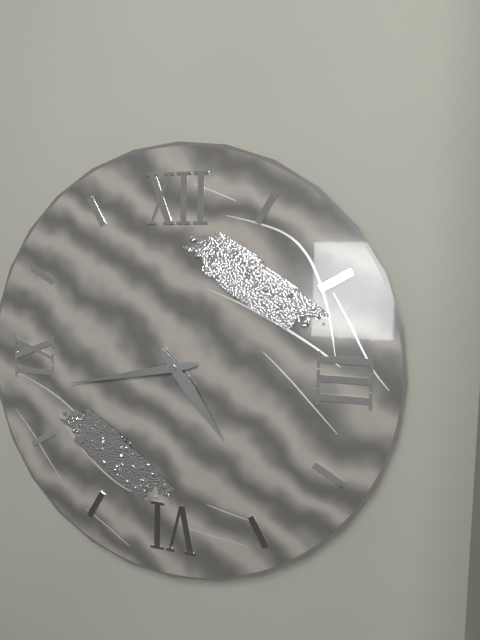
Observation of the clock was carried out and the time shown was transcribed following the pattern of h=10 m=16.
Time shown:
h=4 m=43
